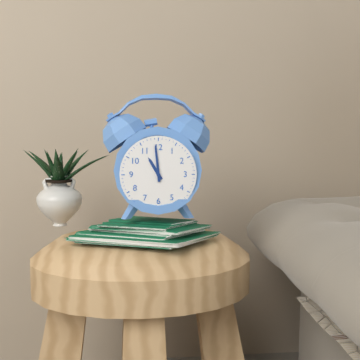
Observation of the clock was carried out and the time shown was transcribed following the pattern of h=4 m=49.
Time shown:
h=10 m=59
